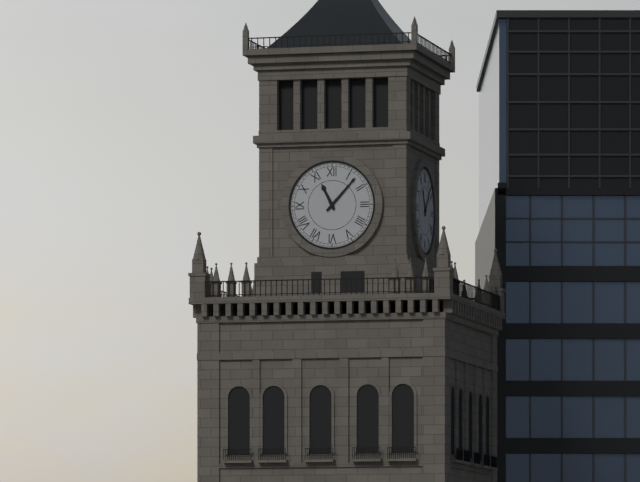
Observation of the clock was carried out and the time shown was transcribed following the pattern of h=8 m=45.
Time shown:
h=11 m=7
